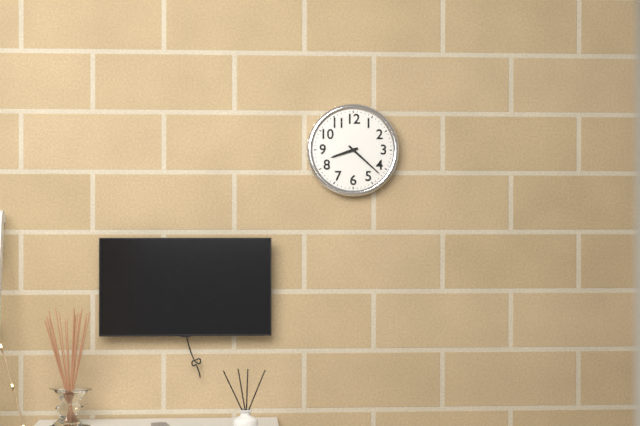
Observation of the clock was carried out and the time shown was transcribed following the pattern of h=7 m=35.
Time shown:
h=8 m=22
